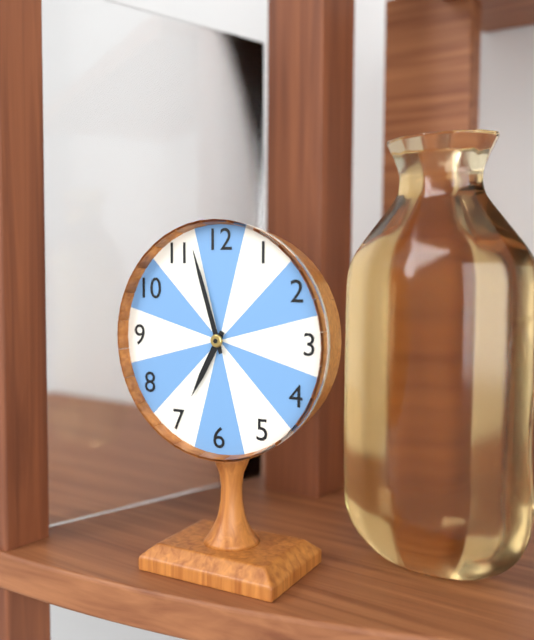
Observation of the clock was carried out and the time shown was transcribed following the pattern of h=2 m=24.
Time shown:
h=6 m=57
